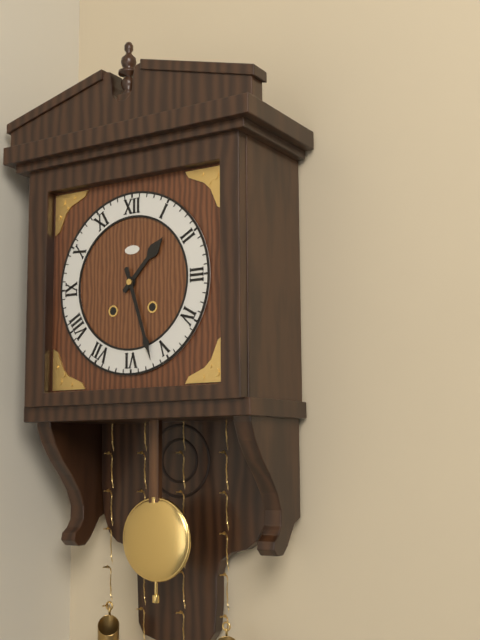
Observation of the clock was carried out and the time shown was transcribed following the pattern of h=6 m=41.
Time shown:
h=1 m=27
